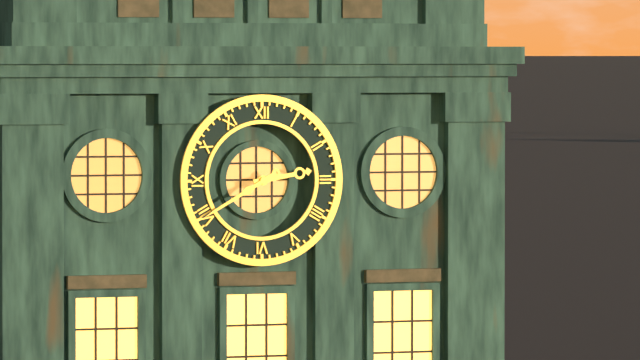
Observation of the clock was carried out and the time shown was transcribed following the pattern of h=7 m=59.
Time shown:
h=2 m=40
